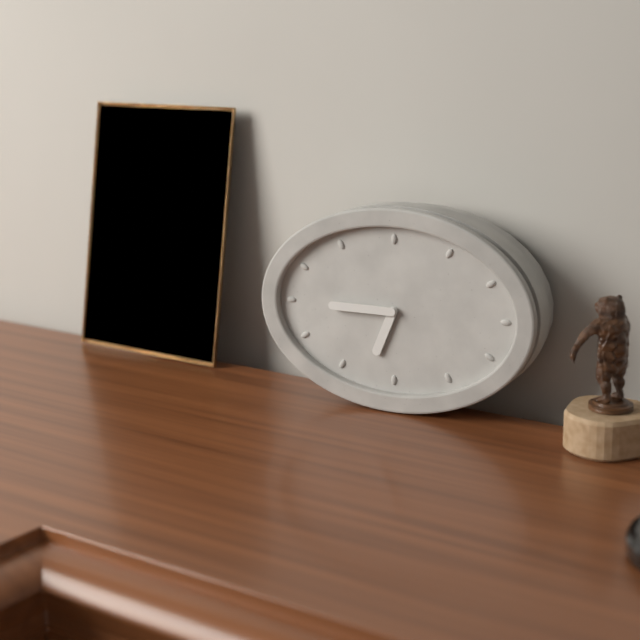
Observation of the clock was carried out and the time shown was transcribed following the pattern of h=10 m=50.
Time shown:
h=6 m=45
